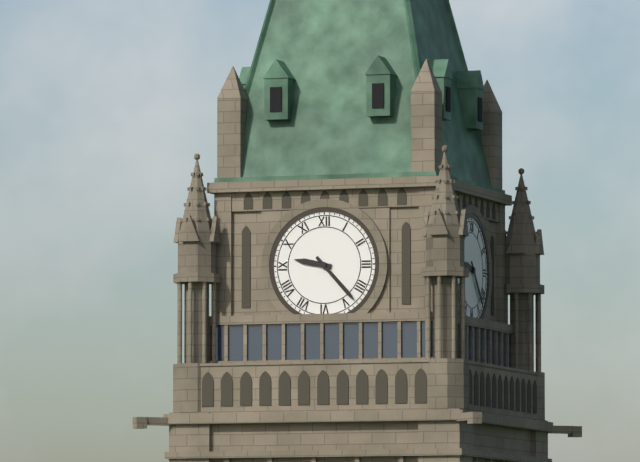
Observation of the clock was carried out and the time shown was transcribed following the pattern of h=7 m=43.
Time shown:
h=9 m=23
